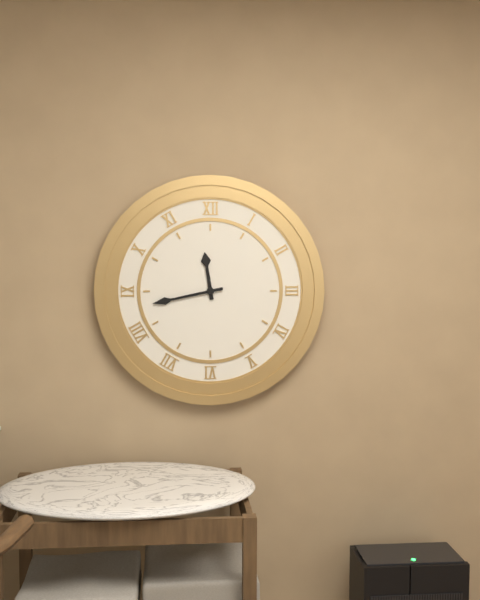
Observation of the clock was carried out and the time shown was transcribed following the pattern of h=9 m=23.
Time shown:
h=11 m=43
